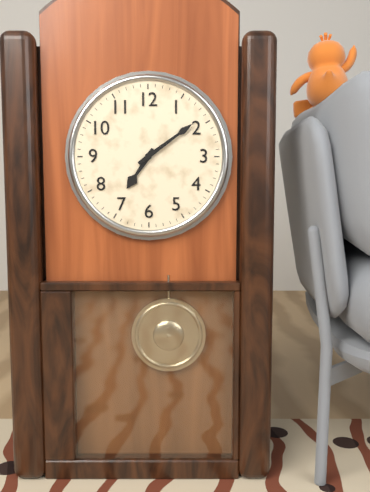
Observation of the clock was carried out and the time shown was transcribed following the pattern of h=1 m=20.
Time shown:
h=7 m=9
